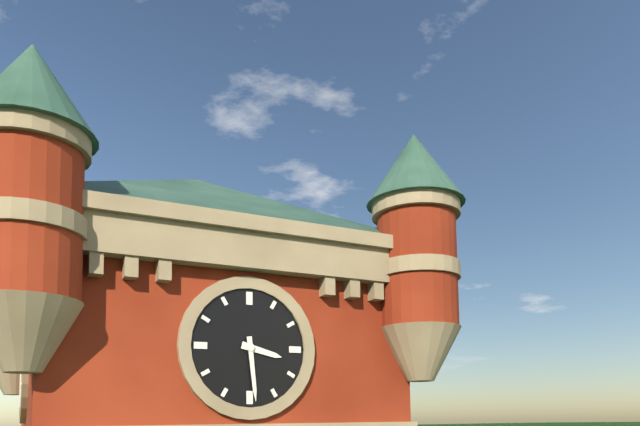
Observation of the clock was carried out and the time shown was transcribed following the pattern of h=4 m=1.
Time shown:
h=3 m=29
